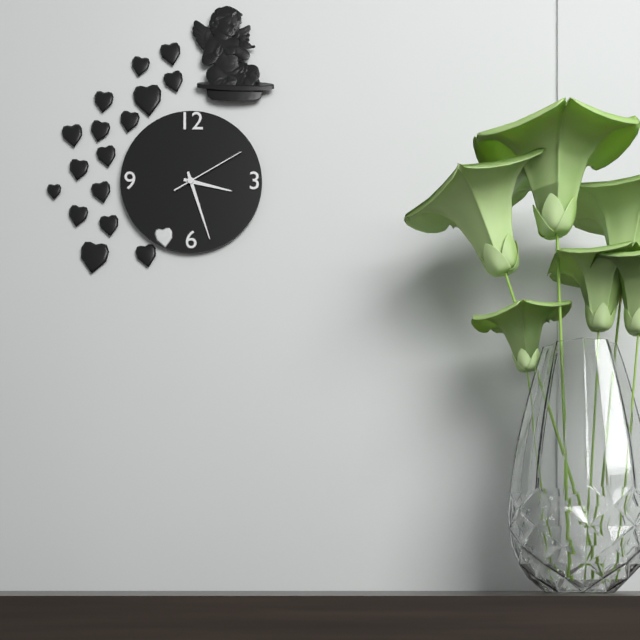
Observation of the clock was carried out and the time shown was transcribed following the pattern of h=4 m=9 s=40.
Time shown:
h=3 m=27 s=10
